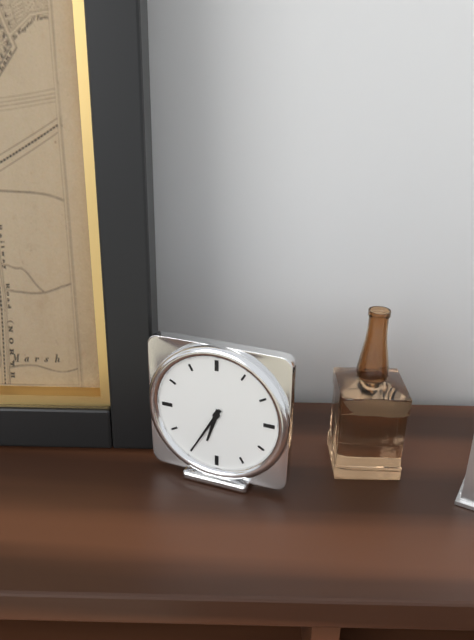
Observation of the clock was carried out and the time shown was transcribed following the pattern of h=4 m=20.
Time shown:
h=6 m=35
